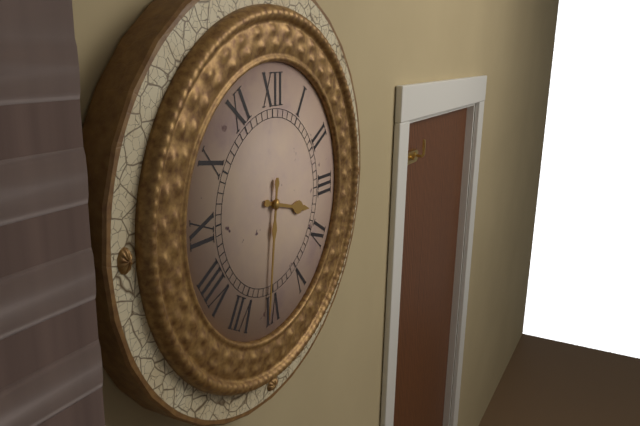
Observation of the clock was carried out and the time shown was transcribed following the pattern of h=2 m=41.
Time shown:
h=3 m=31
